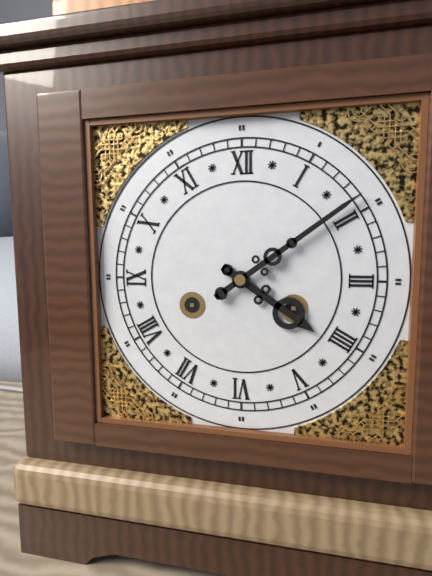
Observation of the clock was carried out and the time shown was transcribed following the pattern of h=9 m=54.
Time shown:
h=4 m=9
